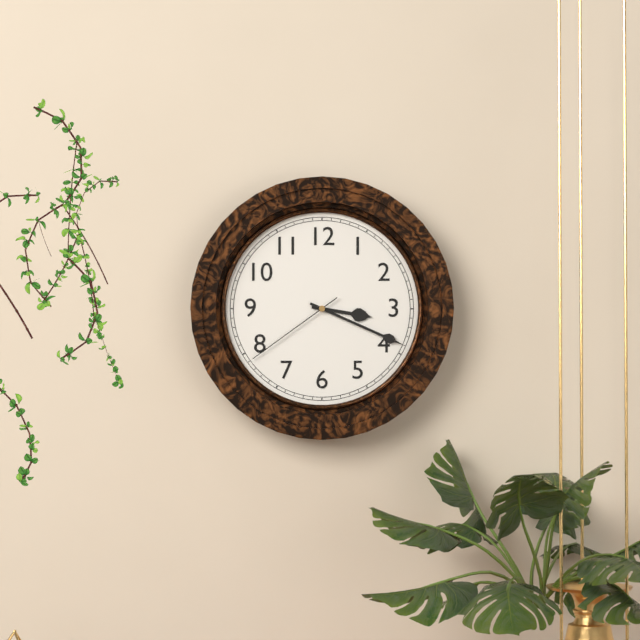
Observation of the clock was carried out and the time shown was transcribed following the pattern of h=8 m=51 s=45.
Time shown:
h=3 m=19 s=39
